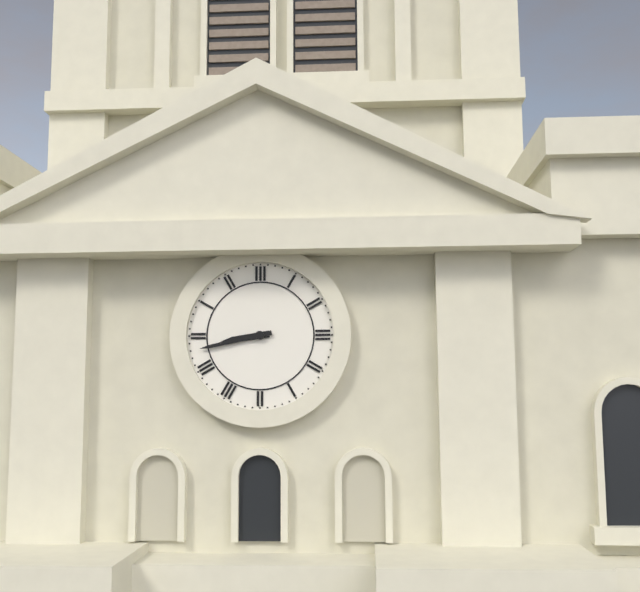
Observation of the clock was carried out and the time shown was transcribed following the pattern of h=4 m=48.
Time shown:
h=8 m=43
